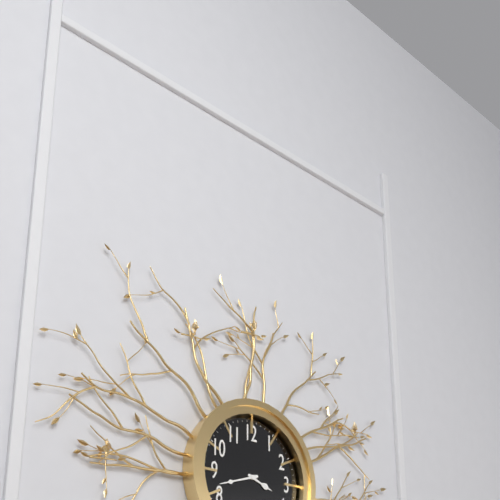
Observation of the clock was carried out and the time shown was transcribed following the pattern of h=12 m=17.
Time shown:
h=3 m=42
